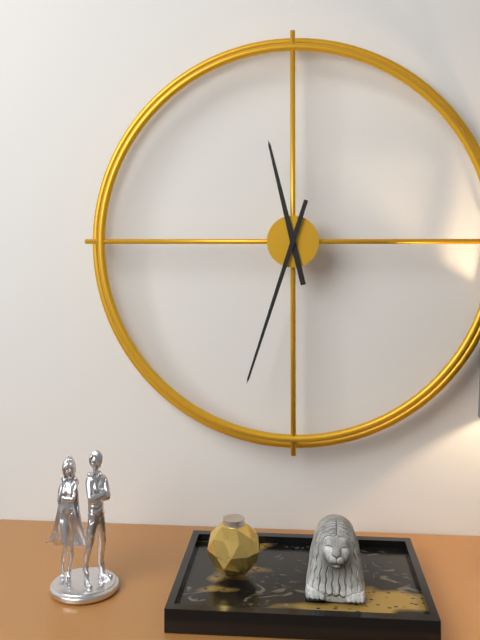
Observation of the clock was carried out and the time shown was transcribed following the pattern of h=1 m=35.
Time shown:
h=11 m=33
